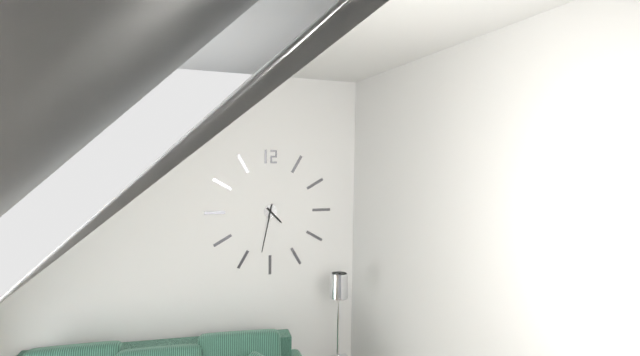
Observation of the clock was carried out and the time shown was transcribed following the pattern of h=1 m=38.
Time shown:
h=4 m=32
